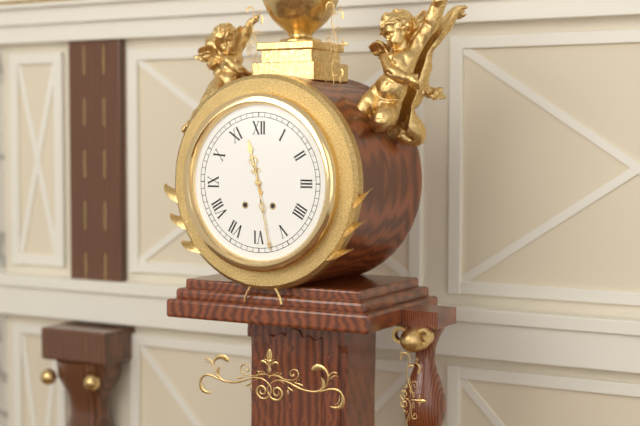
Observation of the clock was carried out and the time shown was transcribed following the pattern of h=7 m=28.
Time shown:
h=11 m=28
